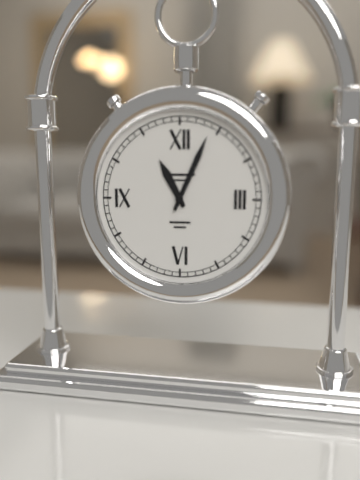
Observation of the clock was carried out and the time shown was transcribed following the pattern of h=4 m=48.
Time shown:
h=11 m=4
